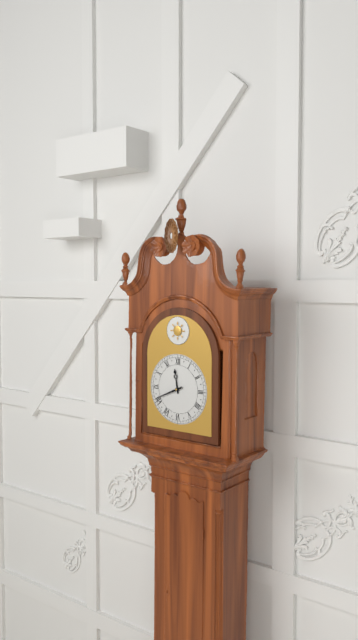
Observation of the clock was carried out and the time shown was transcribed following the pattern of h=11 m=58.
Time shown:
h=11 m=41
